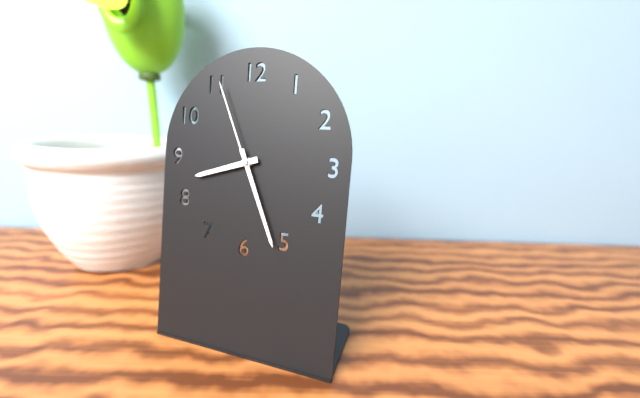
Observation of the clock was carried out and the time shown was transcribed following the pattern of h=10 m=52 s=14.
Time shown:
h=8 m=26 s=56
